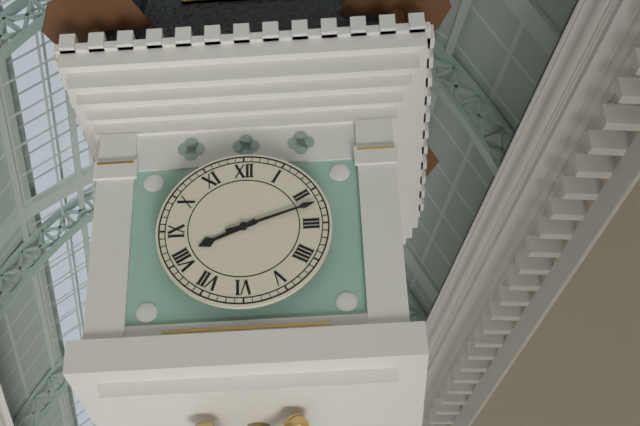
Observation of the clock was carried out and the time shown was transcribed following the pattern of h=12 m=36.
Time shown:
h=8 m=12
